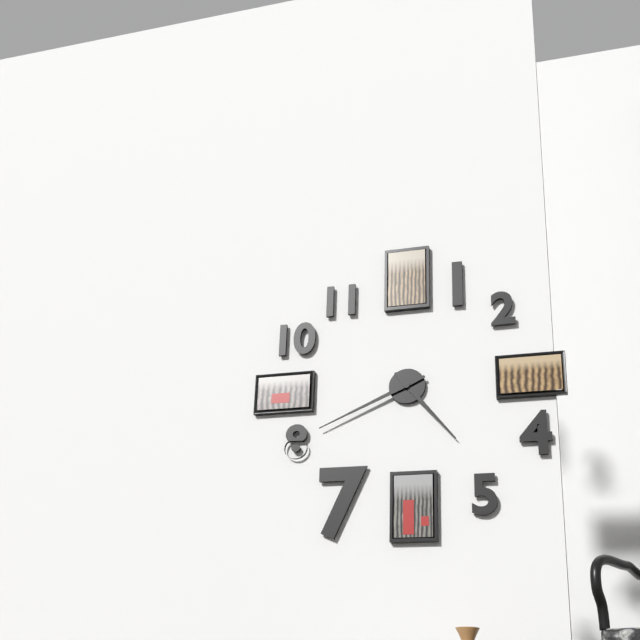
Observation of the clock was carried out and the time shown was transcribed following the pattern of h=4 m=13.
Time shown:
h=4 m=41
